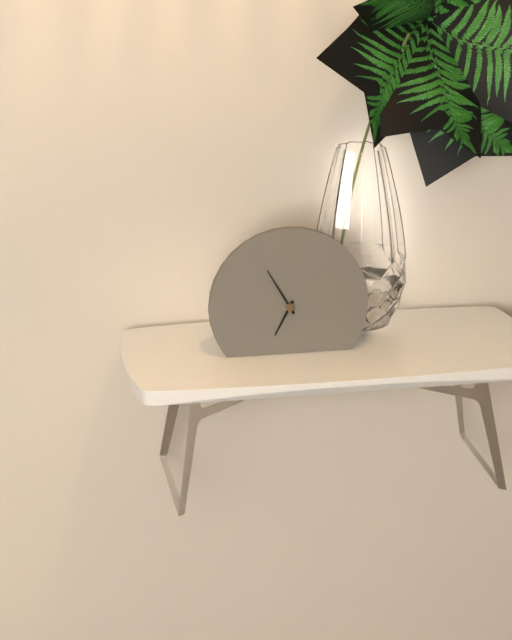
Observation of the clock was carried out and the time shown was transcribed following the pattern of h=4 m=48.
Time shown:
h=6 m=55
